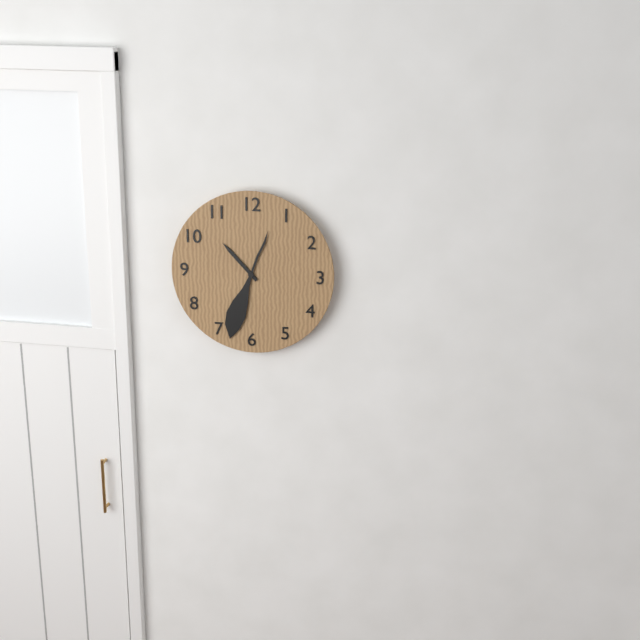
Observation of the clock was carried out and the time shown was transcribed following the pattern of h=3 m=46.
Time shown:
h=10 m=33
